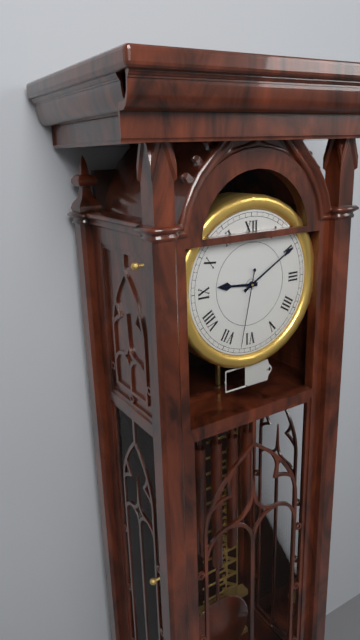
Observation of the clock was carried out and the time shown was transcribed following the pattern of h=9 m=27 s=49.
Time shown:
h=9 m=10 s=32
